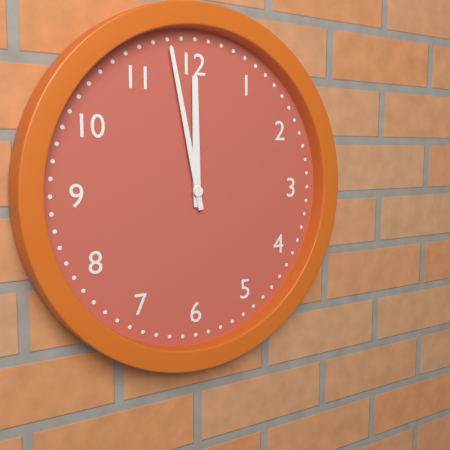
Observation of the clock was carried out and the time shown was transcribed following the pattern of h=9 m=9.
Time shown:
h=11 m=58
